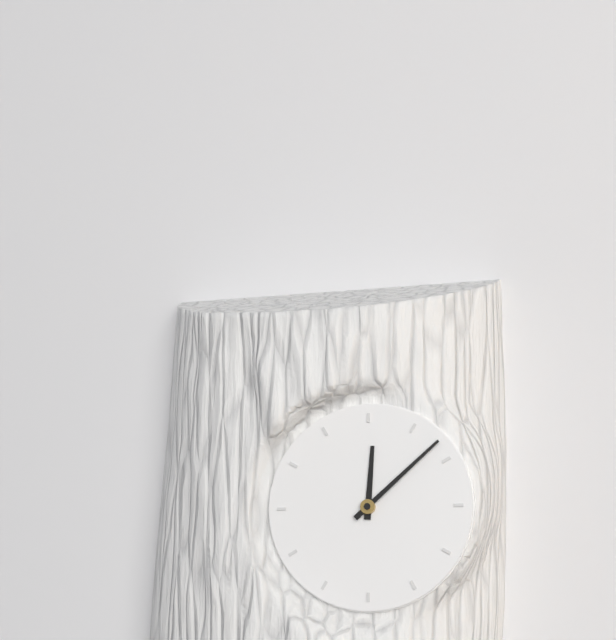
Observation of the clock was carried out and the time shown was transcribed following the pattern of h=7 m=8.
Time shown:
h=12 m=8
